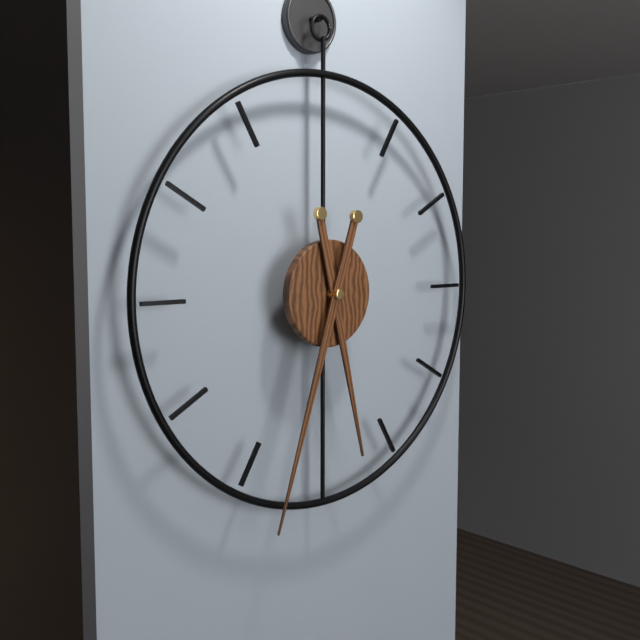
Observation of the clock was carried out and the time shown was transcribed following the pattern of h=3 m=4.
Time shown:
h=5 m=33
